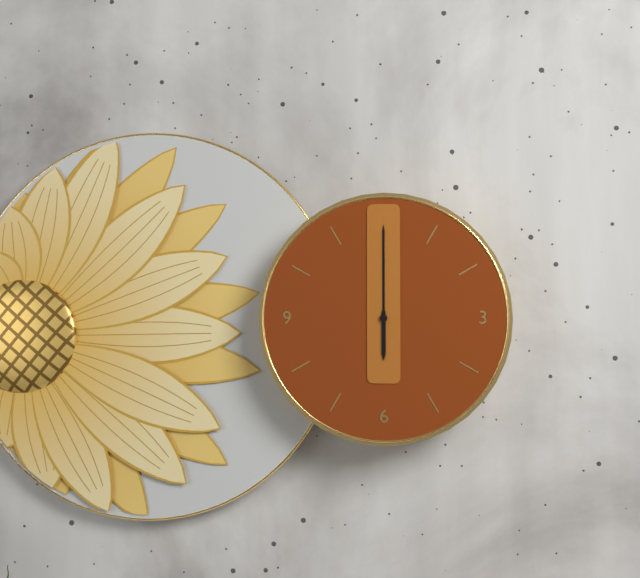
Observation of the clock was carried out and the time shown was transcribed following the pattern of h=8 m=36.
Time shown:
h=6 m=0
